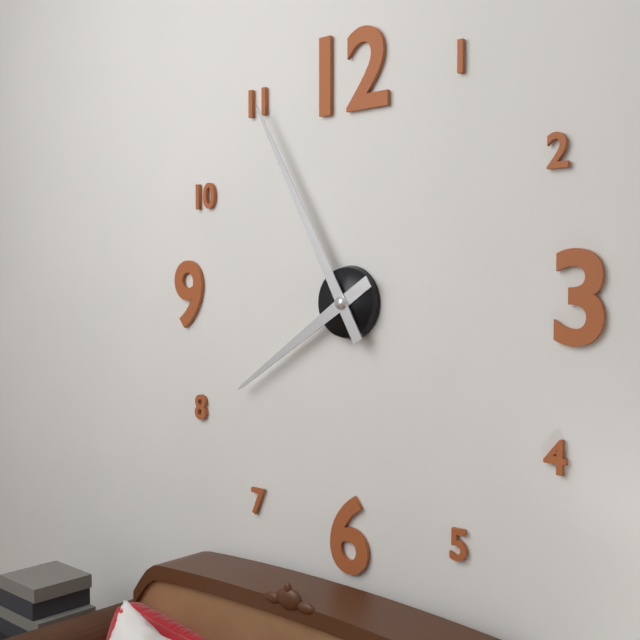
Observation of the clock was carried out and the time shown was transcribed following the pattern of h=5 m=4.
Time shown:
h=7 m=55
